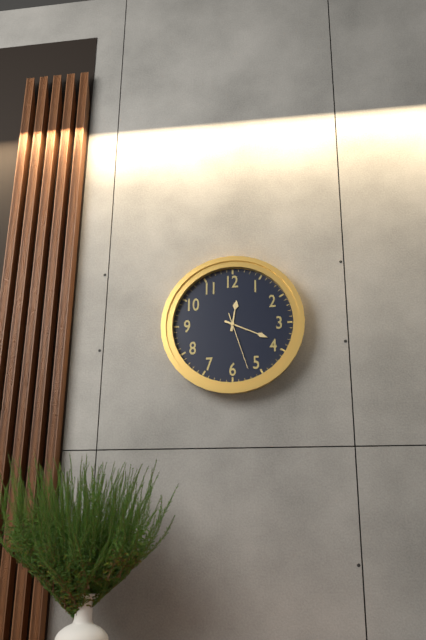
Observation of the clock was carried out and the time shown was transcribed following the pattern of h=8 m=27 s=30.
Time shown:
h=12 m=19 s=27
